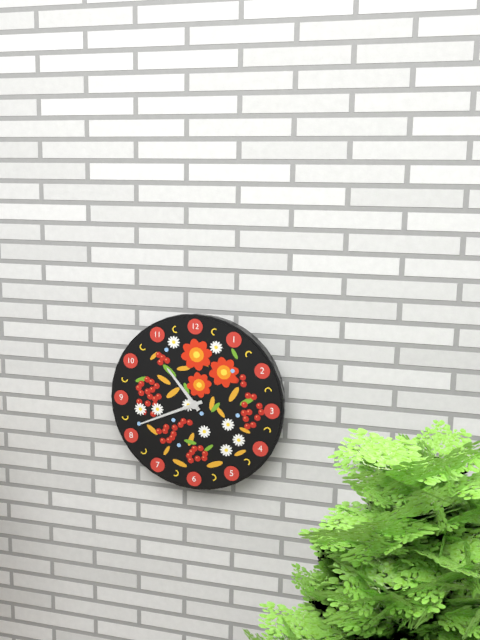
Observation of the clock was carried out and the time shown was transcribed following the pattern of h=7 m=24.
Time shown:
h=10 m=41
